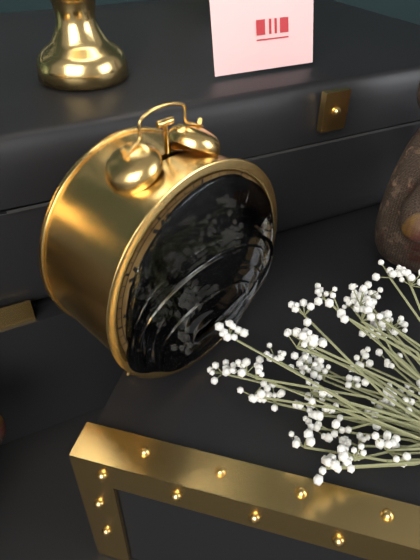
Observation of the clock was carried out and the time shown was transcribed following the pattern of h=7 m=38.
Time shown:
h=6 m=40
